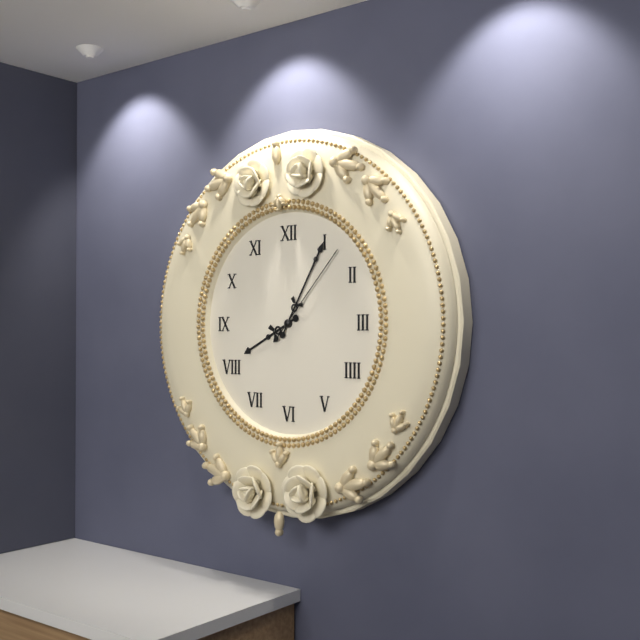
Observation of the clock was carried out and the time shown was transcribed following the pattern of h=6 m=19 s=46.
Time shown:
h=8 m=5 s=7
